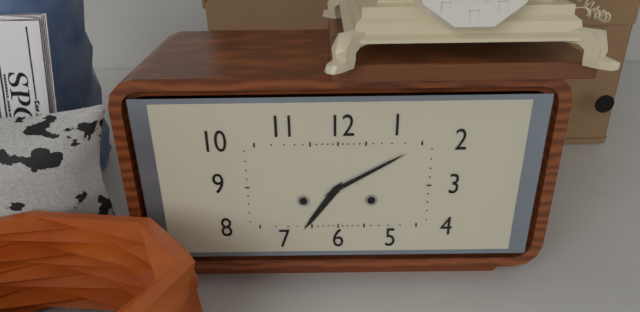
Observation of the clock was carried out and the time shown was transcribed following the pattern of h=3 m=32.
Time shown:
h=7 m=10
